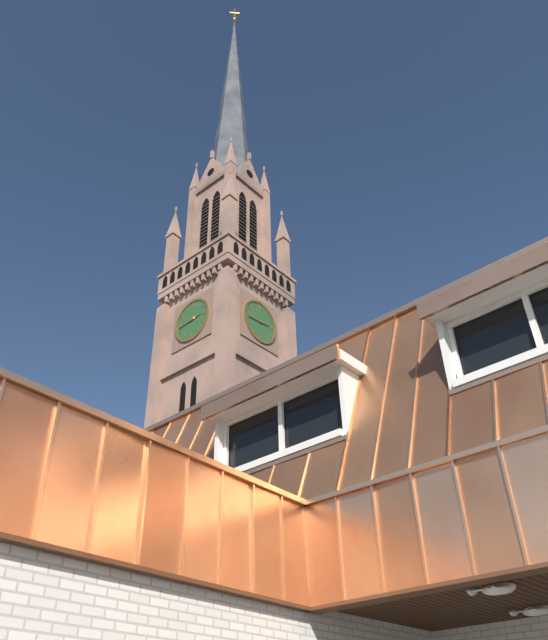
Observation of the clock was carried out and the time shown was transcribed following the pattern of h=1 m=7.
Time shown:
h=2 m=44
